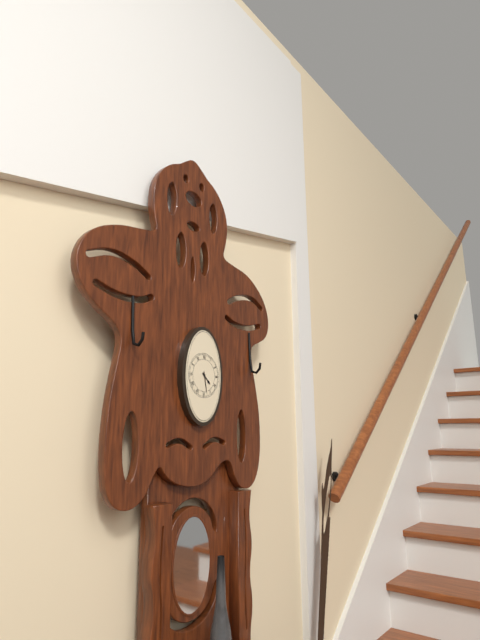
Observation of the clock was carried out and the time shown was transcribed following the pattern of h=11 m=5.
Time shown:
h=4 m=28
